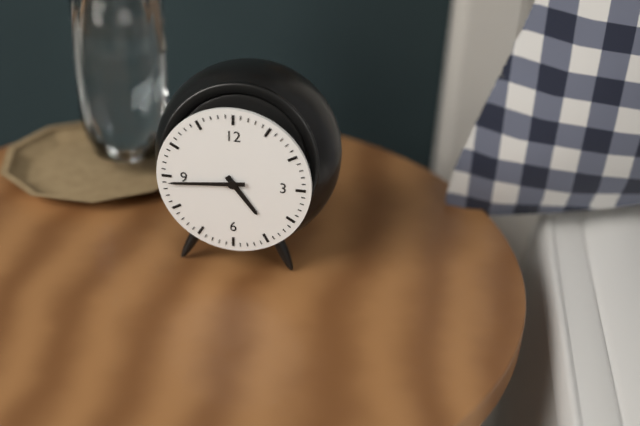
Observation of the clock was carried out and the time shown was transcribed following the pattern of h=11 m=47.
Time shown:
h=4 m=44
